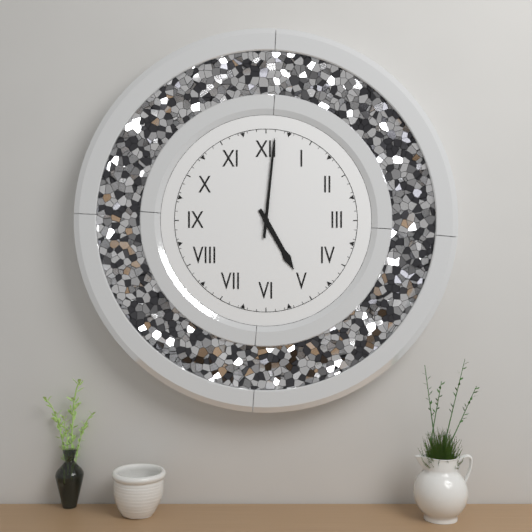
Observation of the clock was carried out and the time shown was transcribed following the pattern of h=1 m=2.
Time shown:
h=5 m=1
